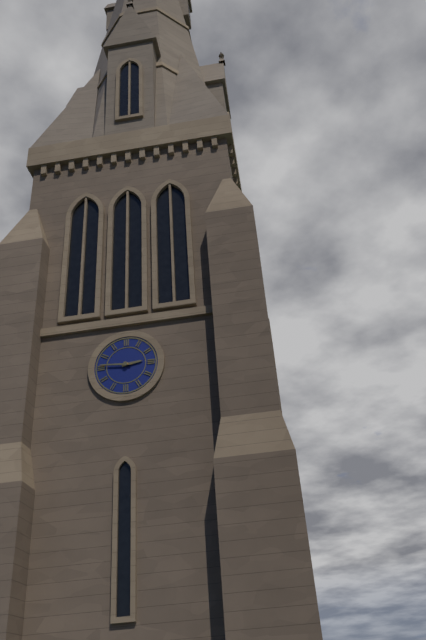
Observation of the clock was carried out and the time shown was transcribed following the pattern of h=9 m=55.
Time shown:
h=2 m=46
